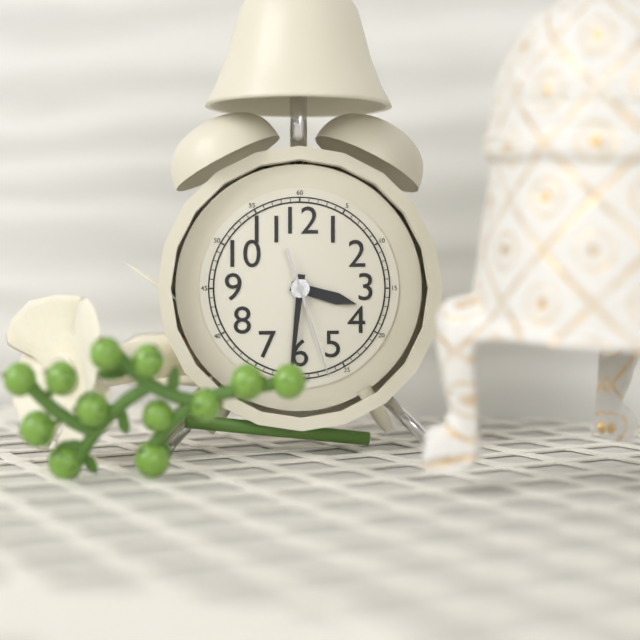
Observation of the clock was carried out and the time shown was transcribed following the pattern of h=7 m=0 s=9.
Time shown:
h=3 m=31 s=27
